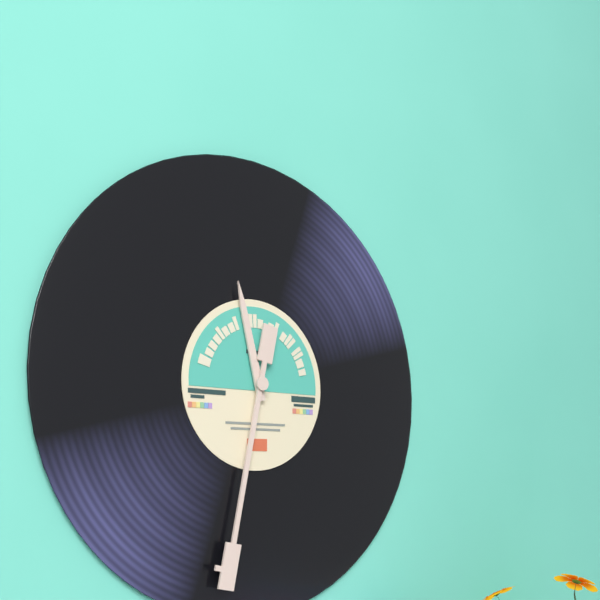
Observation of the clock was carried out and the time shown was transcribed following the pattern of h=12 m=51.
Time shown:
h=11 m=32
